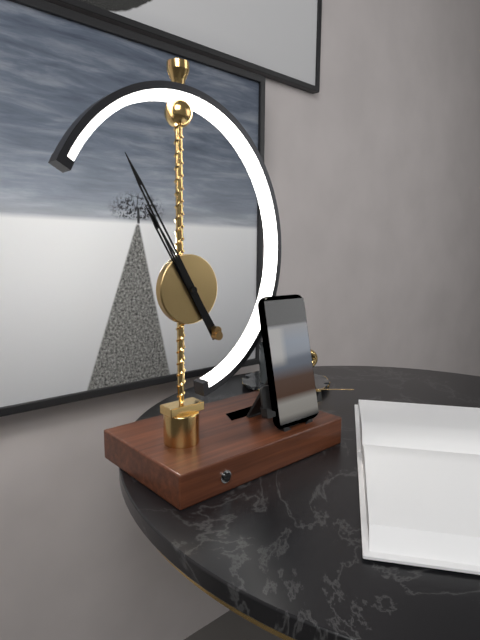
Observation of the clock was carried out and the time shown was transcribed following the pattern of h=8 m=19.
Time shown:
h=10 m=55
